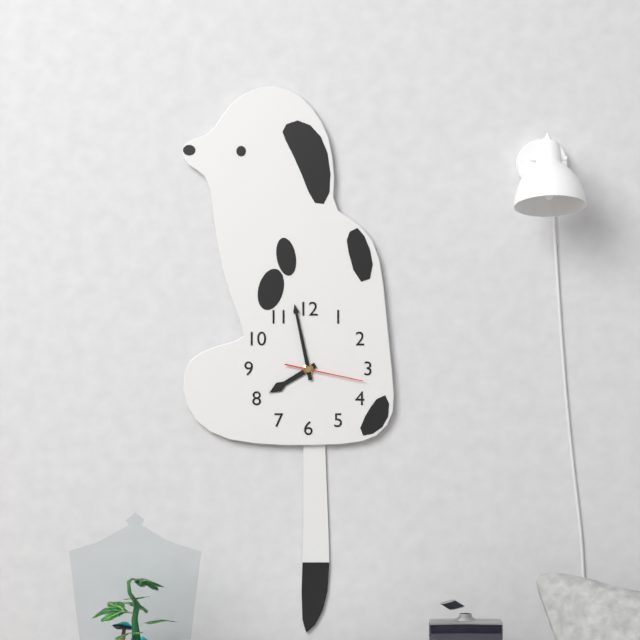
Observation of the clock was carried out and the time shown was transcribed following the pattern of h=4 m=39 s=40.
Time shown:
h=7 m=58 s=17
